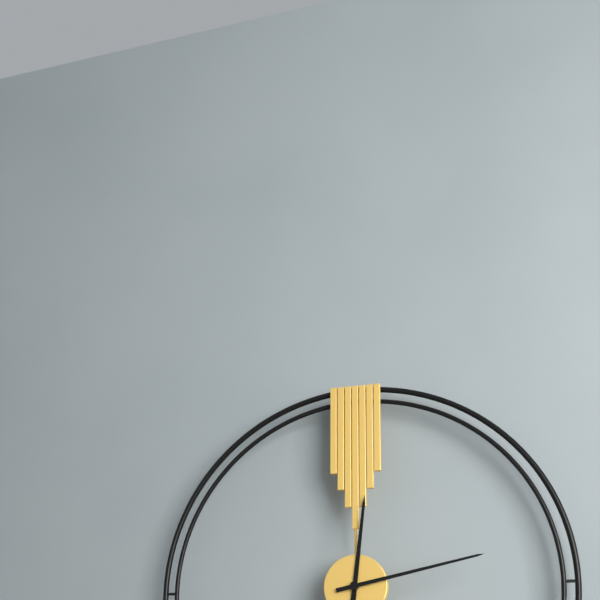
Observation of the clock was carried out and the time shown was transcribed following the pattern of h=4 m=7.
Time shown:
h=12 m=13
